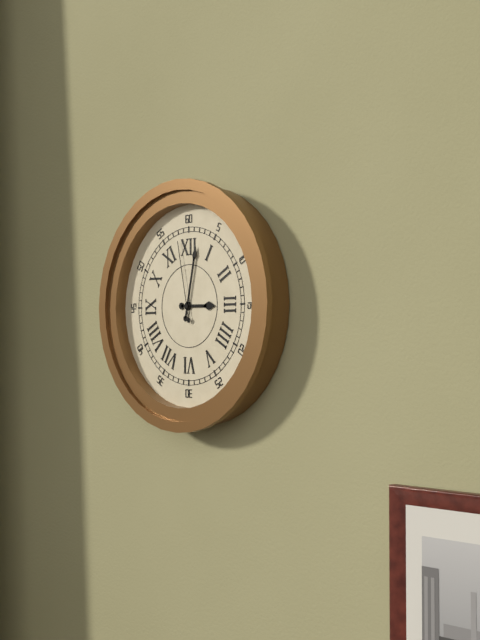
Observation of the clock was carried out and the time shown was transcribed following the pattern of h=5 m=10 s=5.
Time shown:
h=3 m=2 s=58
